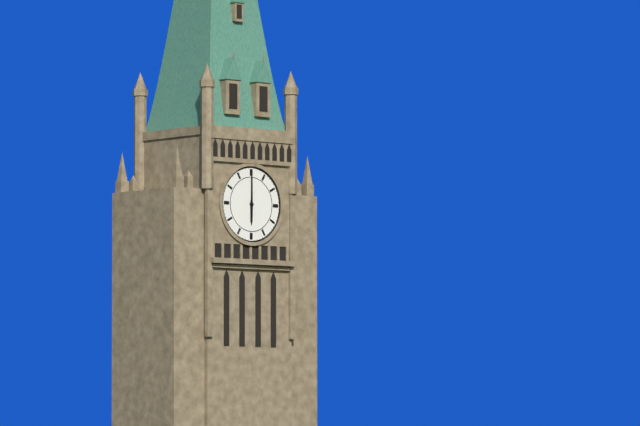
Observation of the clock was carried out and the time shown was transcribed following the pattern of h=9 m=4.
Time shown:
h=6 m=0
